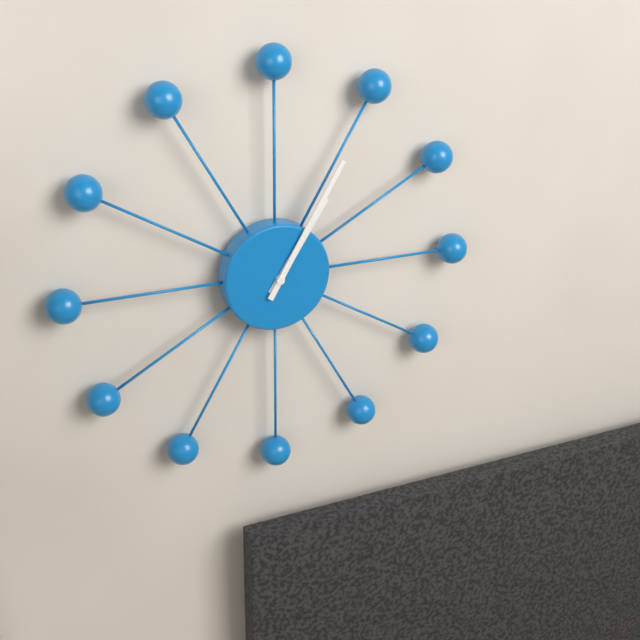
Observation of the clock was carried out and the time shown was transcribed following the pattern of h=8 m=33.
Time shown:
h=1 m=5
